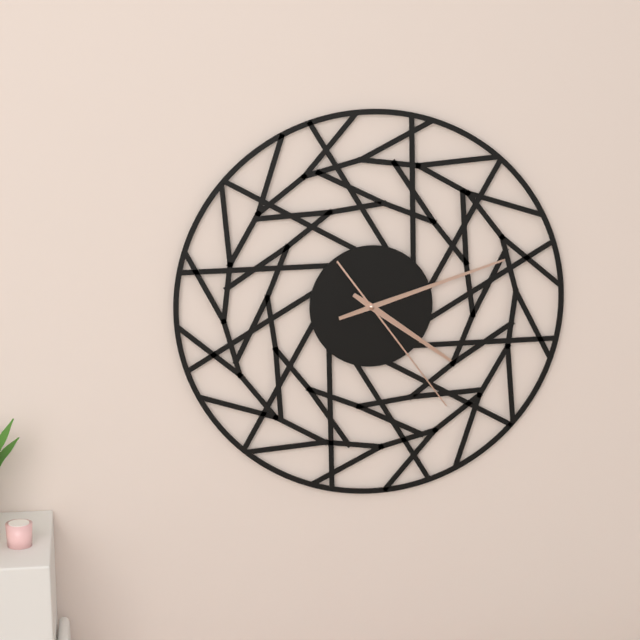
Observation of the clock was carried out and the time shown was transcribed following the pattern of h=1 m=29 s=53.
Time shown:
h=4 m=12 s=24
